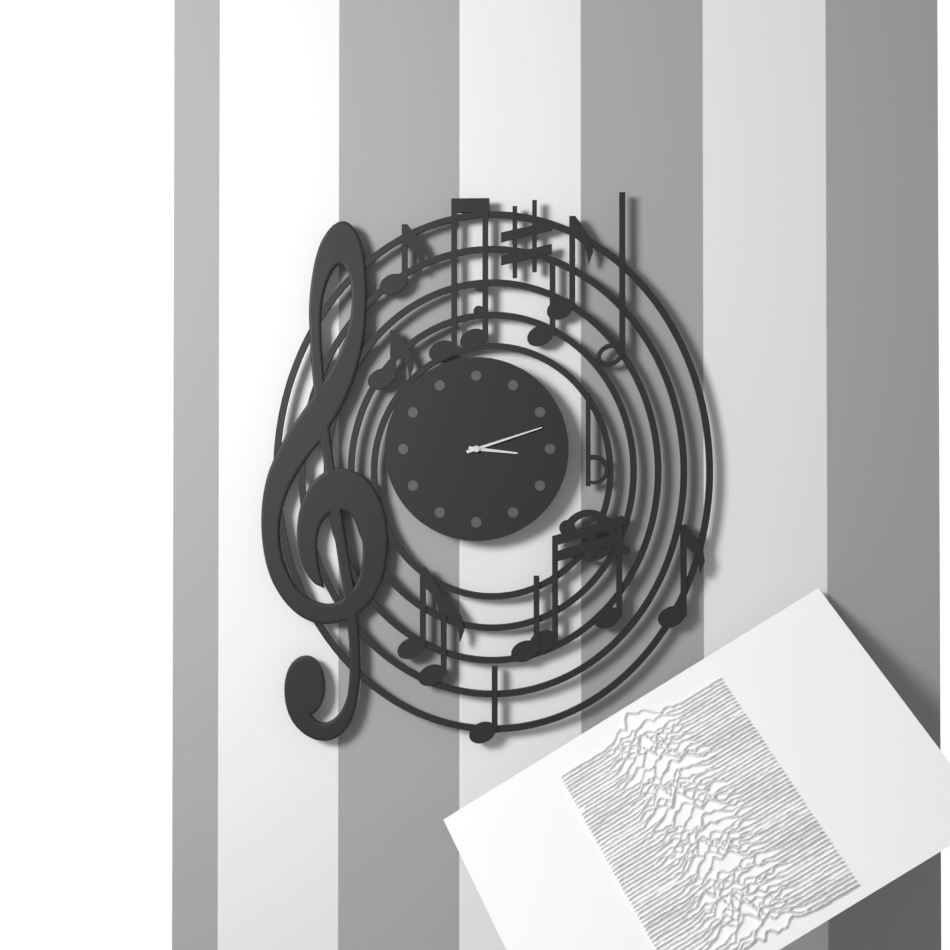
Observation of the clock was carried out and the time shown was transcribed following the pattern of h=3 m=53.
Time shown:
h=3 m=12
